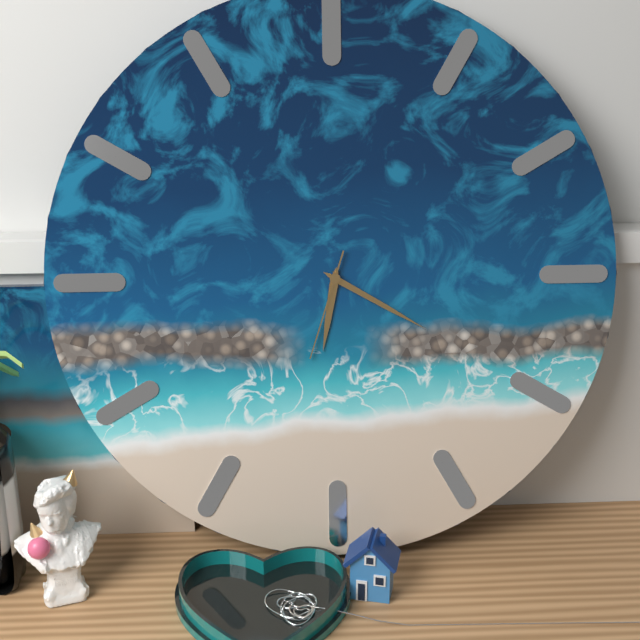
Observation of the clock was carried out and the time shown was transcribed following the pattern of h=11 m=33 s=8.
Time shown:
h=6 m=20 s=33
